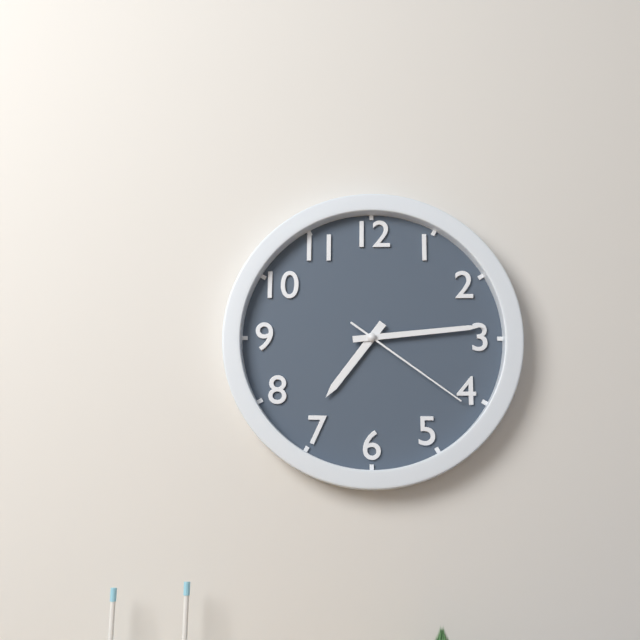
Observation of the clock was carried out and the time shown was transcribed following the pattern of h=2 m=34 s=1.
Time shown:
h=7 m=14 s=21
